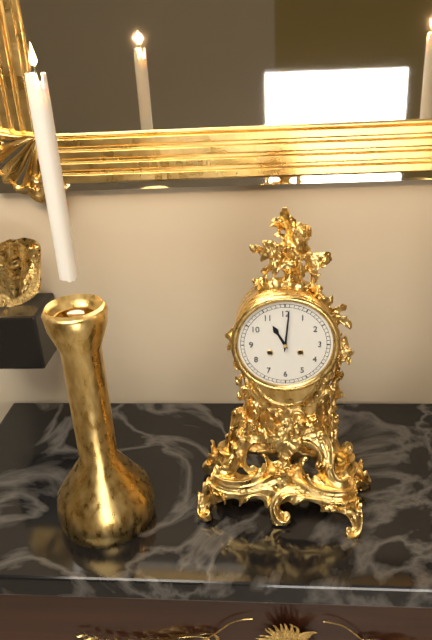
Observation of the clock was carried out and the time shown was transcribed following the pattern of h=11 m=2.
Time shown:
h=11 m=1
